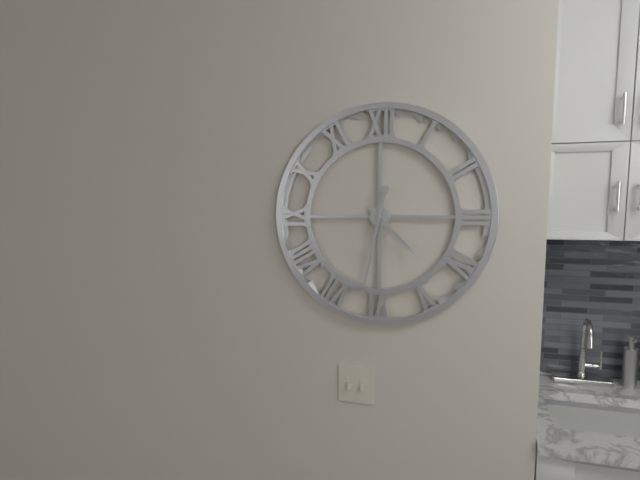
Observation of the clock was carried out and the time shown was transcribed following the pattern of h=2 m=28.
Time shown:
h=4 m=32
